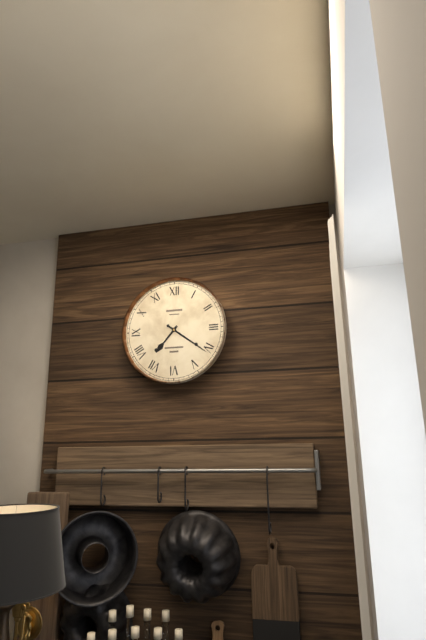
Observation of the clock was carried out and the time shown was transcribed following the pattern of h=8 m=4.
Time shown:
h=7 m=21
